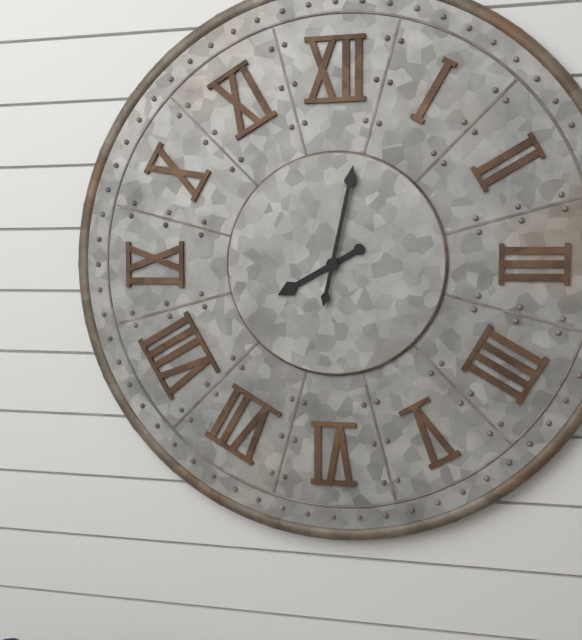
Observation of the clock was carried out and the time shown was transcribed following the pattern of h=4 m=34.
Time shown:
h=8 m=2
